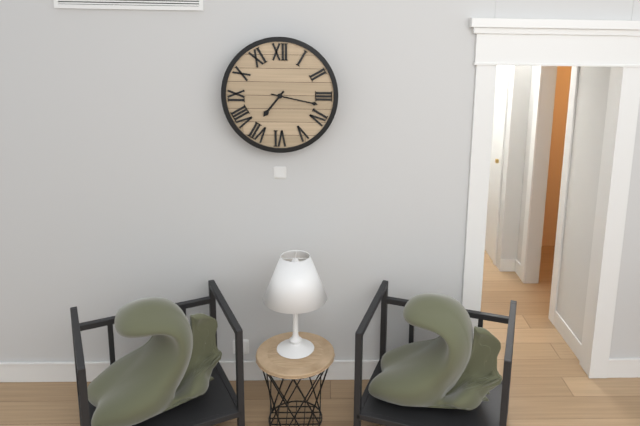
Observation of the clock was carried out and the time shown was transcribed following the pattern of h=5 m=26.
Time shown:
h=7 m=17
